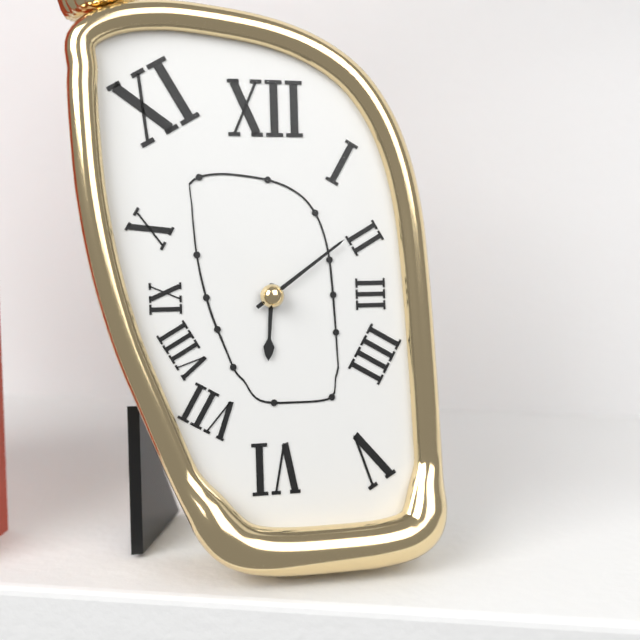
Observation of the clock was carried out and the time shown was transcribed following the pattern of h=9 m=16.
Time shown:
h=6 m=9
